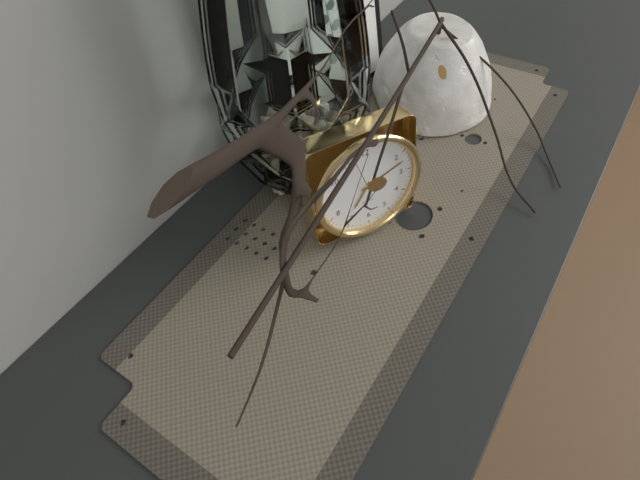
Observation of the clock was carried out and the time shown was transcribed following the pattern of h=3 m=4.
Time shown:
h=7 m=12
